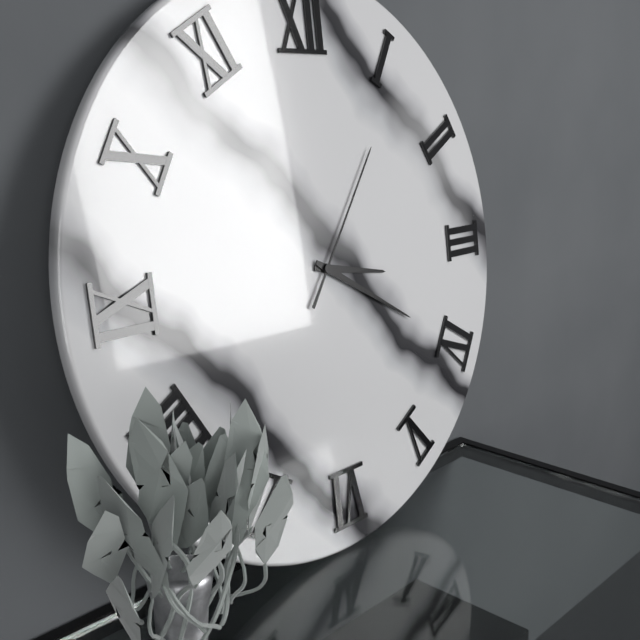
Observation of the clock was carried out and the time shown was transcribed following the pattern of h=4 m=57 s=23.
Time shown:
h=3 m=20 s=6
